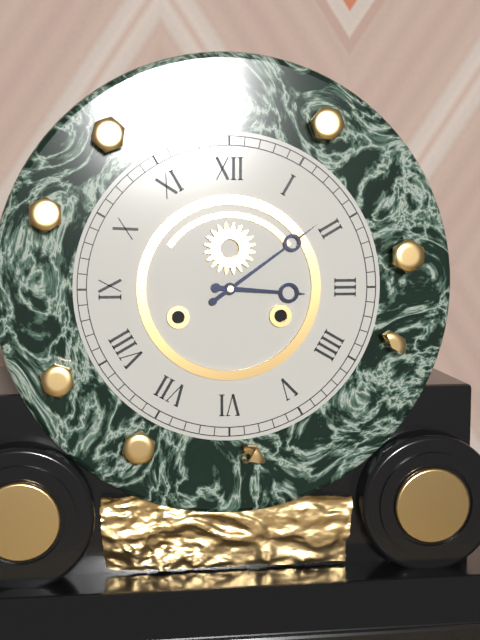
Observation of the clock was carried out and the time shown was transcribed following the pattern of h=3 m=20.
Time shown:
h=3 m=9
